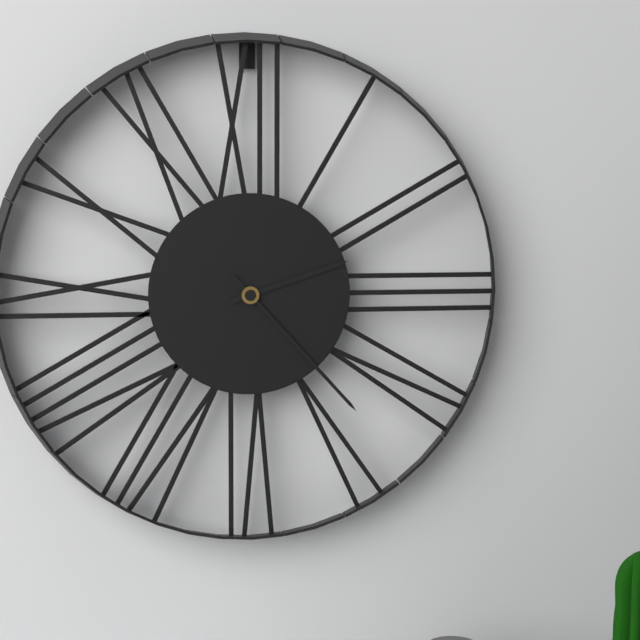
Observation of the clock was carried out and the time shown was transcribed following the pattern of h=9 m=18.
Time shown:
h=2 m=23
